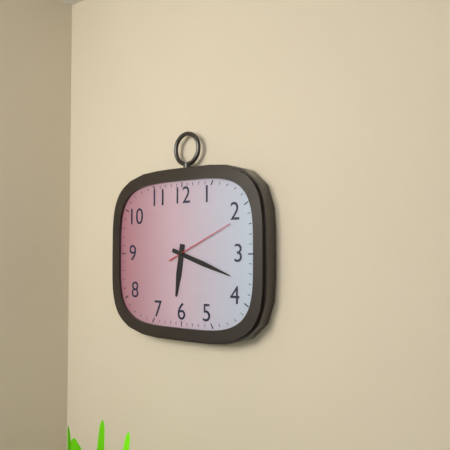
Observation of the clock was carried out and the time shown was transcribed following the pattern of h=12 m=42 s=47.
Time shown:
h=6 m=18 s=11
